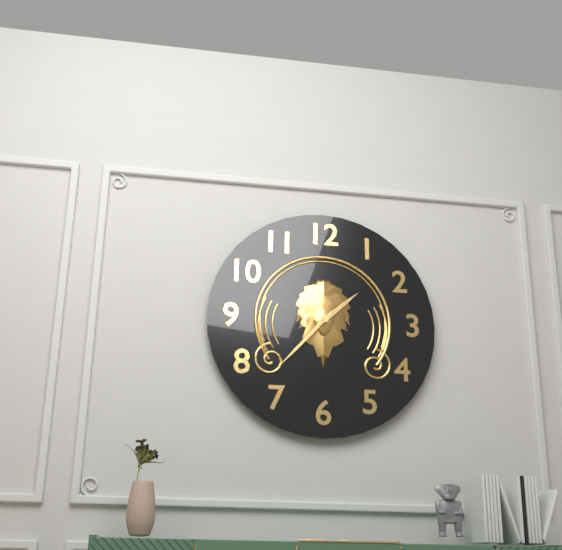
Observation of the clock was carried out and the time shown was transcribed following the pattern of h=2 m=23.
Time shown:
h=1 m=37
